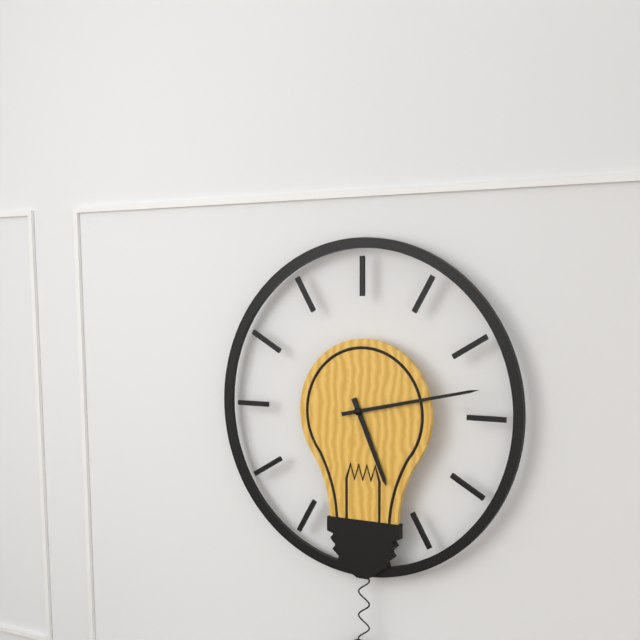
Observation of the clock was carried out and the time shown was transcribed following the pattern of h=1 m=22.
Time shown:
h=5 m=13
